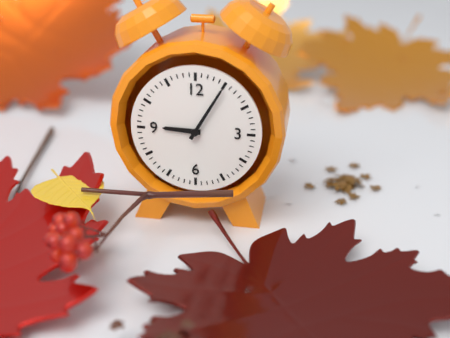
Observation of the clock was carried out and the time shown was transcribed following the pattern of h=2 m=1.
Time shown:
h=9 m=5
